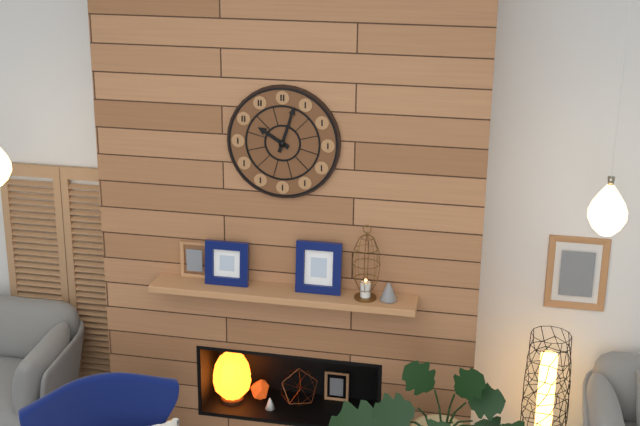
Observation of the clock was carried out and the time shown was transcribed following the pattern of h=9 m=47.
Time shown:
h=10 m=3
